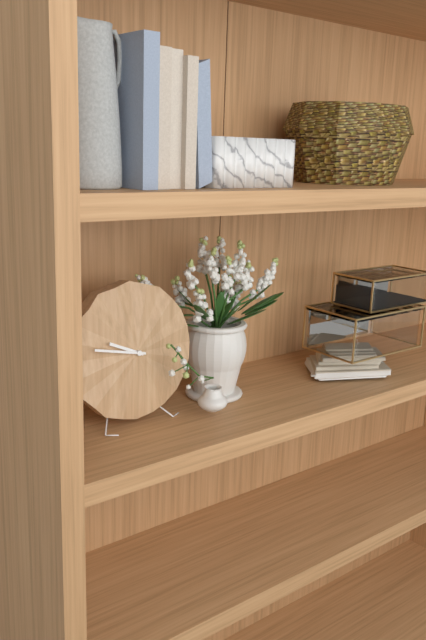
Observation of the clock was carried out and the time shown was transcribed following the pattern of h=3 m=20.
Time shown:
h=9 m=47
